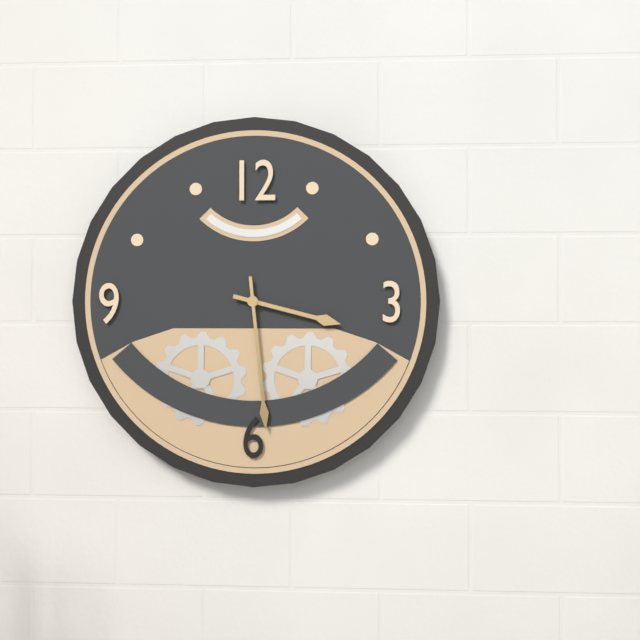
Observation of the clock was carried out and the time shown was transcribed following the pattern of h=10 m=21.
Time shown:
h=3 m=29
